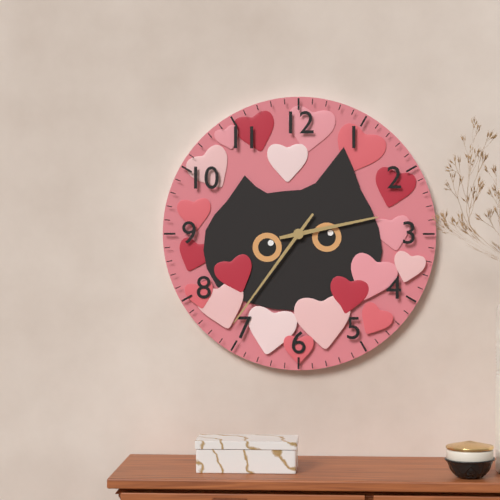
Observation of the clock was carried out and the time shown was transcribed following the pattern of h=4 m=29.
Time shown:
h=2 m=36
